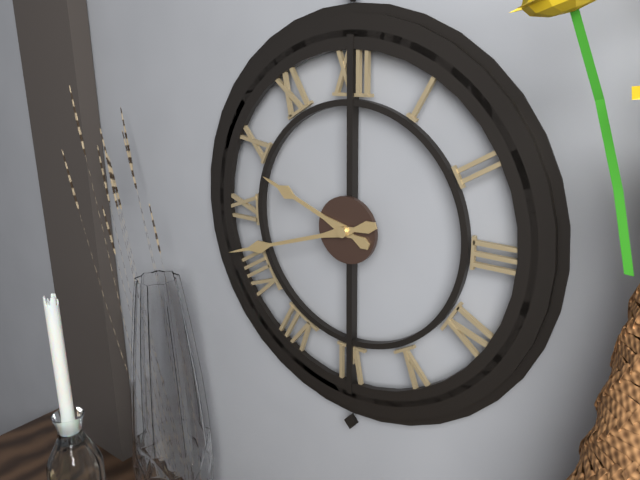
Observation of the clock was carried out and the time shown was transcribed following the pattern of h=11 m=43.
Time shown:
h=9 m=42
